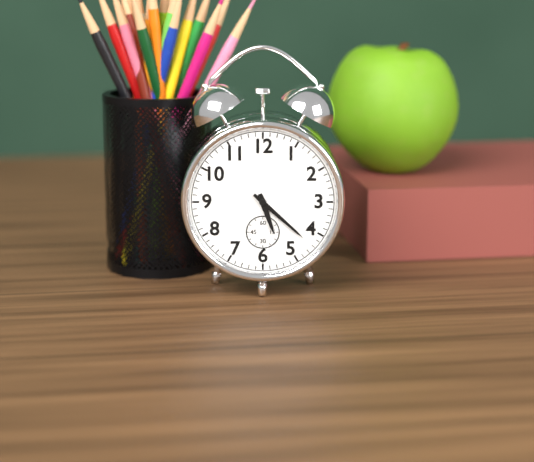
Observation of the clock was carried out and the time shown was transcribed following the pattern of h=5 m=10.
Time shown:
h=5 m=22
